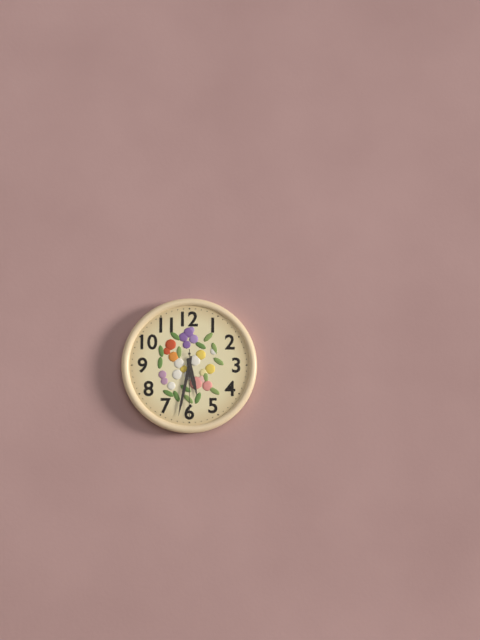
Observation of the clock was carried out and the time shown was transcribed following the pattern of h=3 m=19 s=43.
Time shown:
h=5 m=32 s=30
